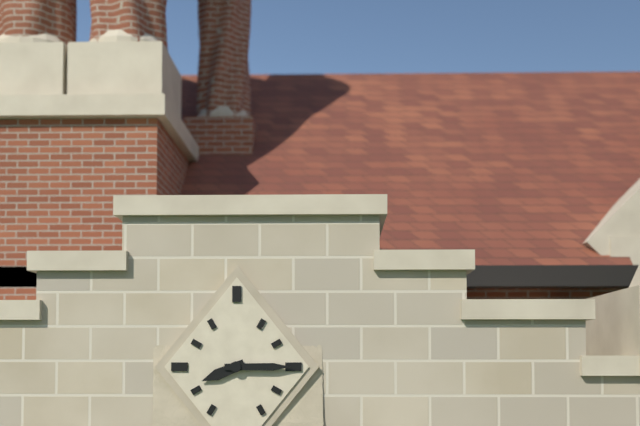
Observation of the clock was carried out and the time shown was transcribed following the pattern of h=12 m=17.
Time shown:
h=8 m=15
